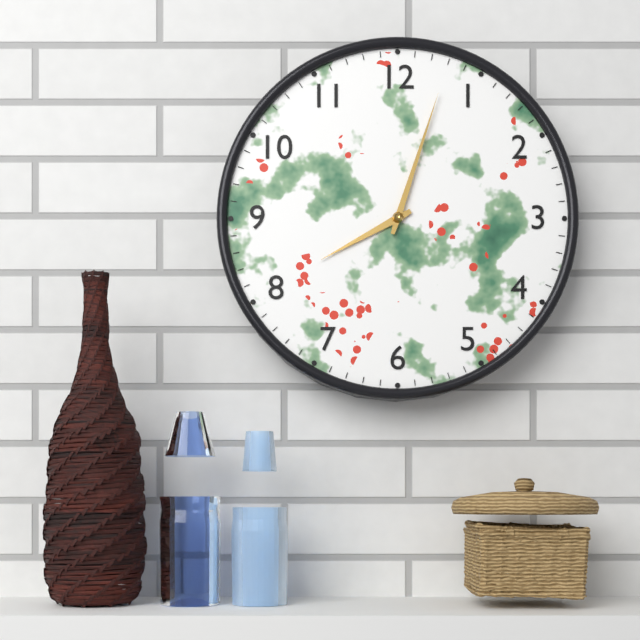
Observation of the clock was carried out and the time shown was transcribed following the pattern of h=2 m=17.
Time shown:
h=8 m=3
